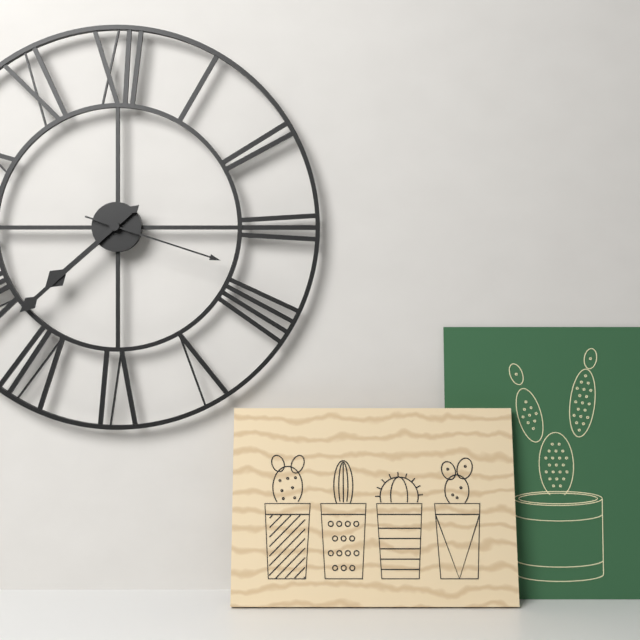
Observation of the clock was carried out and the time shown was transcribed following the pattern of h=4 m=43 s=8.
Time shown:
h=7 m=38 s=18
